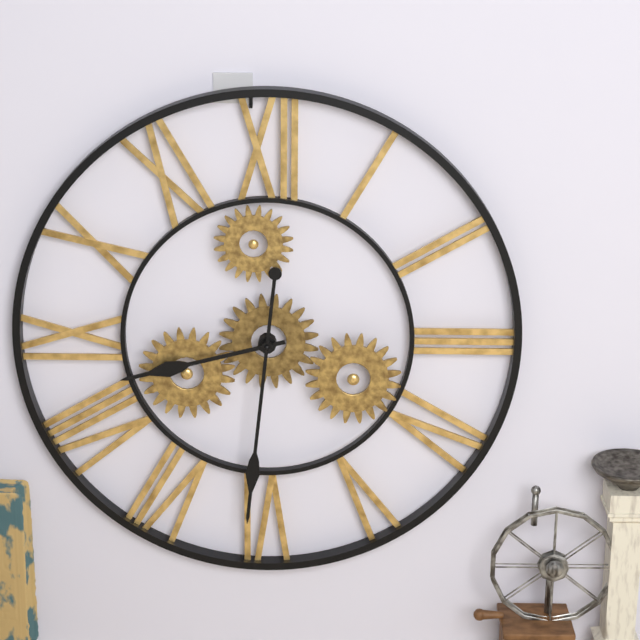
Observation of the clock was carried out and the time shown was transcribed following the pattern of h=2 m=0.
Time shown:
h=8 m=31
